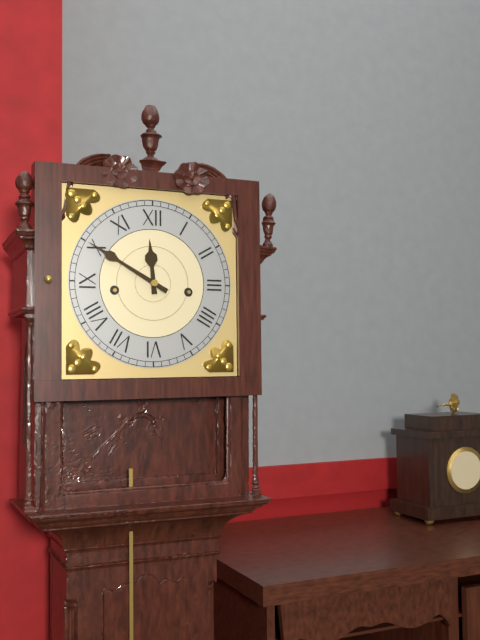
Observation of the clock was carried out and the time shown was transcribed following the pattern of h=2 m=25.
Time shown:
h=11 m=50
